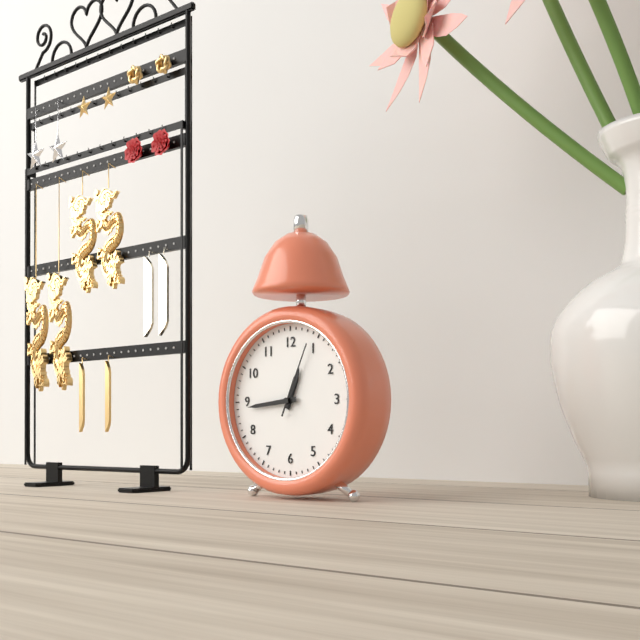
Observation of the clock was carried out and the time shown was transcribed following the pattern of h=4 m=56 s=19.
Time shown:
h=12 m=44 s=4
